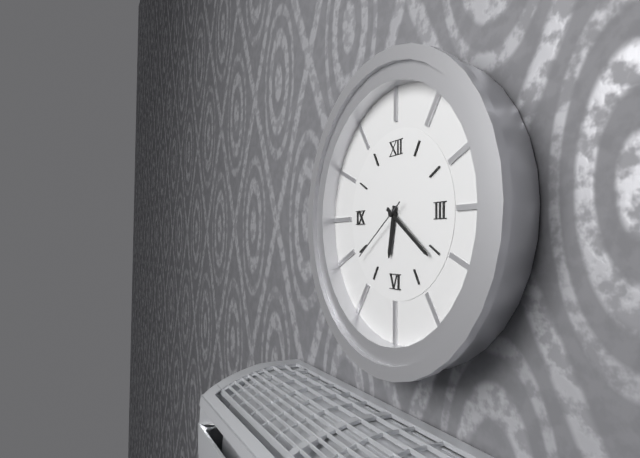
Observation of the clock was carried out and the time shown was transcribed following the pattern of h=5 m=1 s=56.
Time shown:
h=6 m=21 s=39
